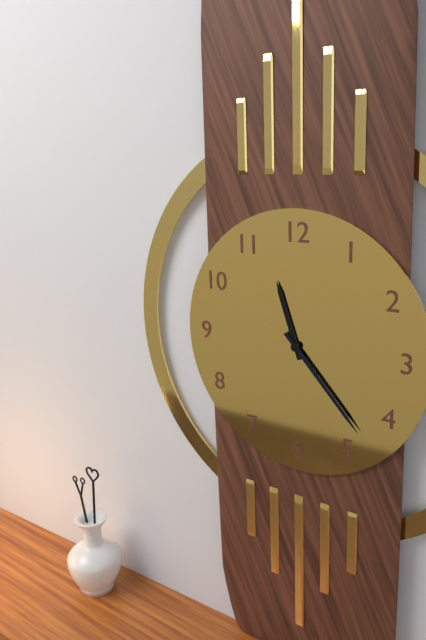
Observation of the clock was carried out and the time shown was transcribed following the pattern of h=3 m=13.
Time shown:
h=11 m=23
